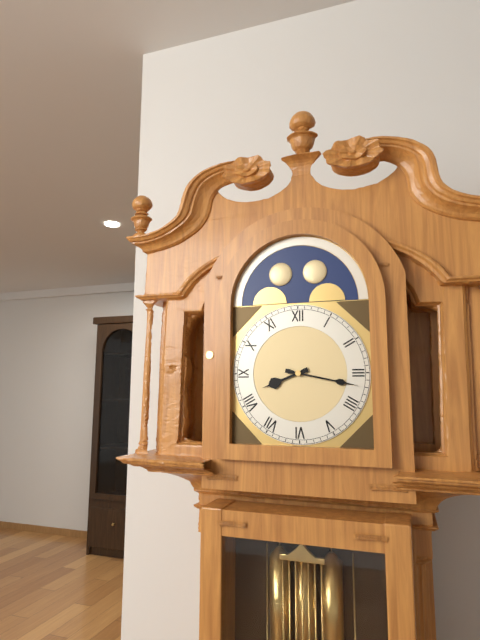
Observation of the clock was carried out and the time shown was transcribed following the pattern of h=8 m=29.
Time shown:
h=8 m=17
